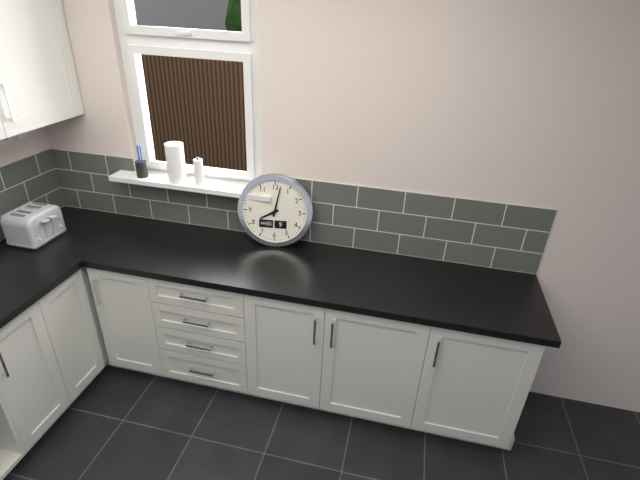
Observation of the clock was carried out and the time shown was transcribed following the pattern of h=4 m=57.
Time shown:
h=8 m=2
